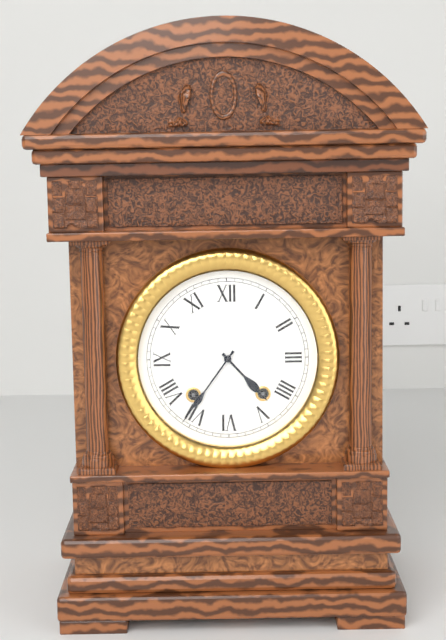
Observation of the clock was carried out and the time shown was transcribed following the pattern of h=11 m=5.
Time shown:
h=4 m=36
